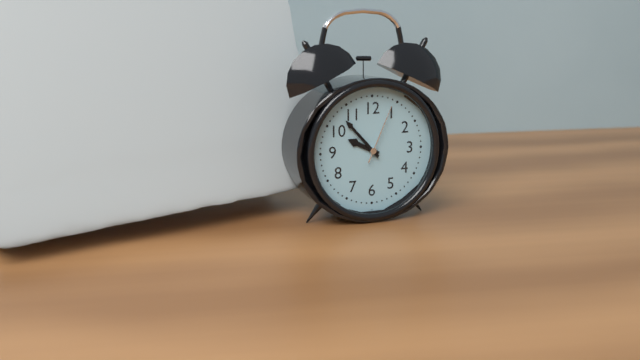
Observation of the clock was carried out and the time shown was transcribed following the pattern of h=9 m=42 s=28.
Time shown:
h=9 m=53 s=4
